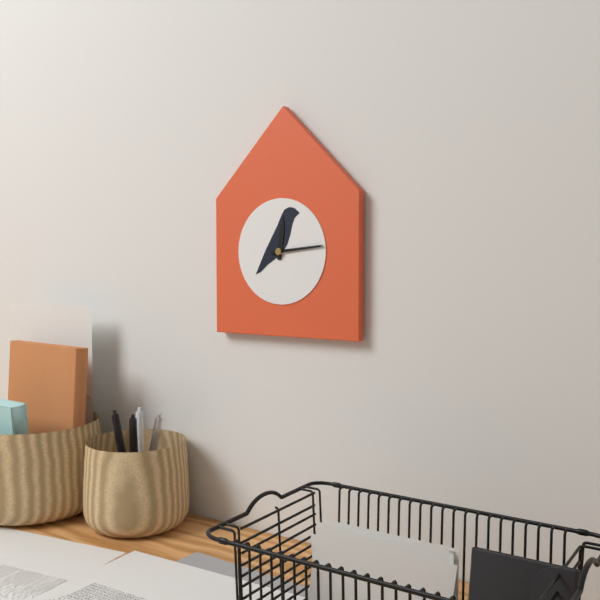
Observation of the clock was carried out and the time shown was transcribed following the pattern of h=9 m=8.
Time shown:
h=12 m=14
